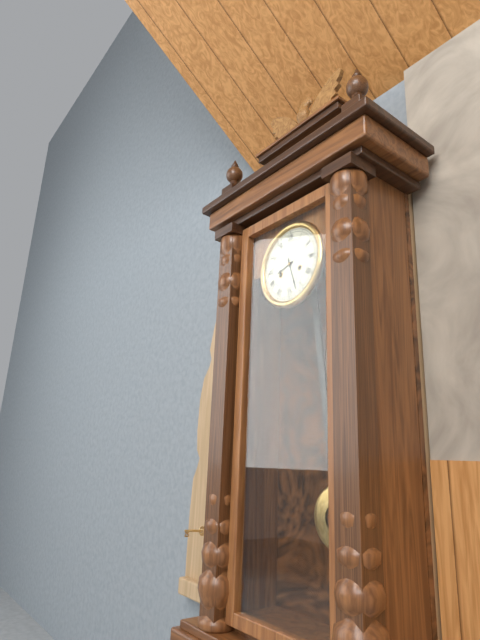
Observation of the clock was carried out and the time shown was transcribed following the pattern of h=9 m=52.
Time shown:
h=8 m=27
